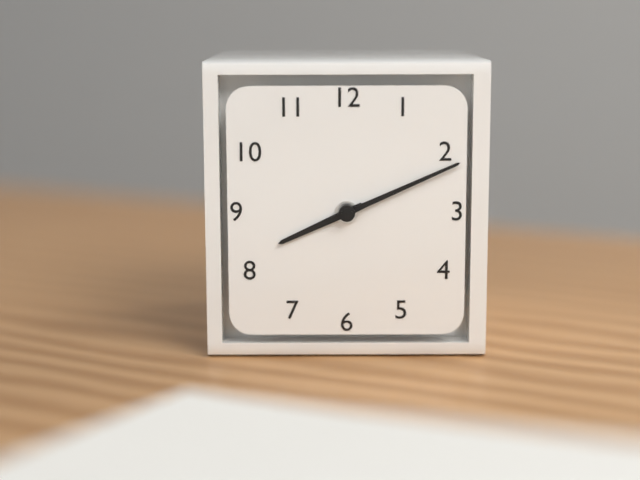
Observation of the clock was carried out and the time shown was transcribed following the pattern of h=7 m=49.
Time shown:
h=8 m=11
